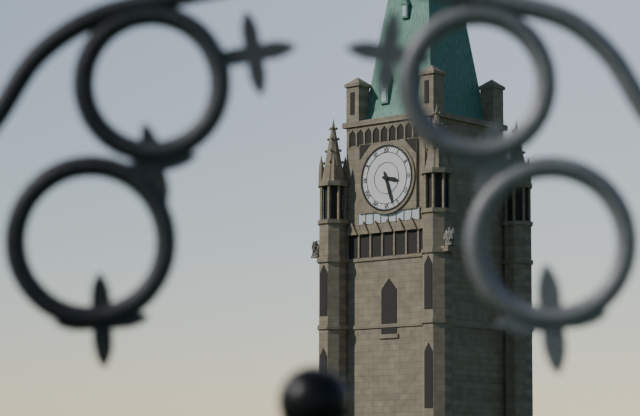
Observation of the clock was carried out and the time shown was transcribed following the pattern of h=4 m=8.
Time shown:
h=3 m=27
